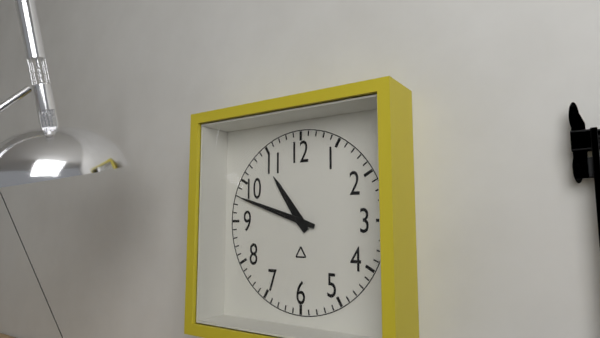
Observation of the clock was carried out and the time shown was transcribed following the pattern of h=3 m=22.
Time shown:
h=10 m=48
